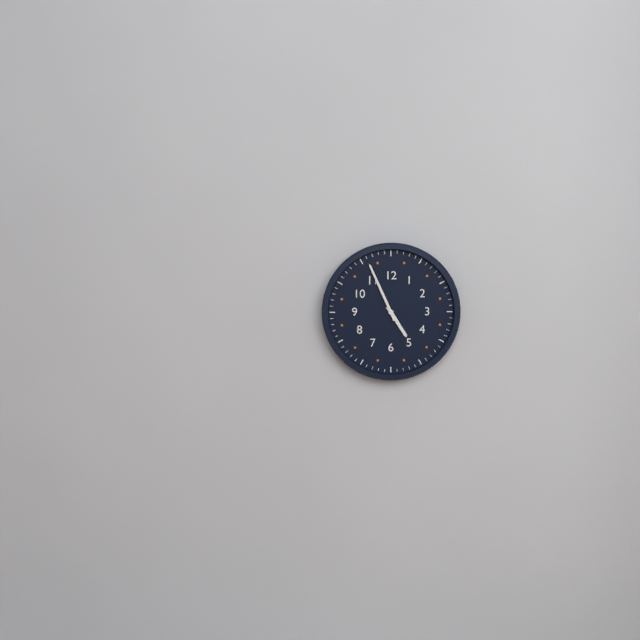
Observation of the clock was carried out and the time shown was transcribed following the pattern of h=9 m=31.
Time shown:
h=4 m=56
